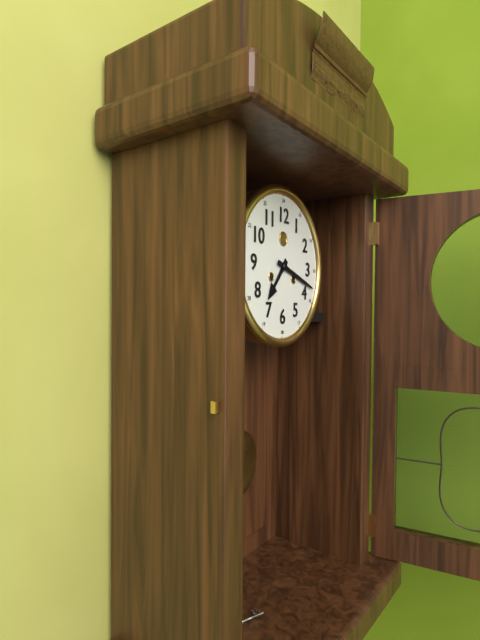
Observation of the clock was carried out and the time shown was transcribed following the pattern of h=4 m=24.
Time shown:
h=7 m=18
